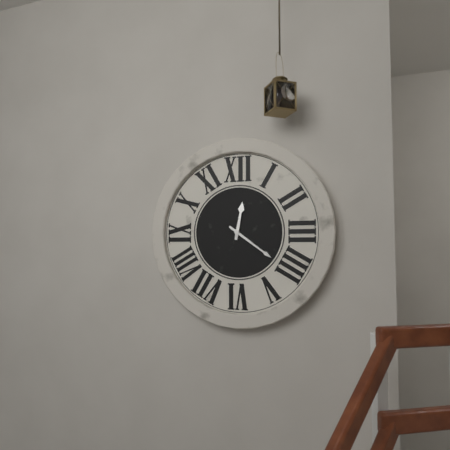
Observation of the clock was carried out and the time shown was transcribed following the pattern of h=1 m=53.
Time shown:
h=12 m=21
